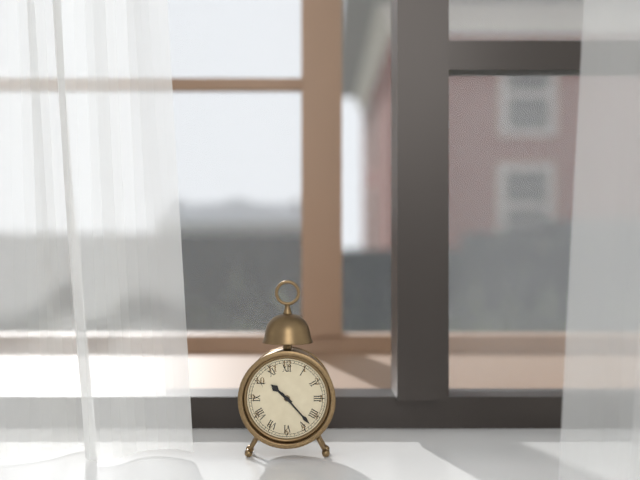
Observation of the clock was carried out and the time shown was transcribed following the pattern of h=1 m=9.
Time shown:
h=10 m=23
